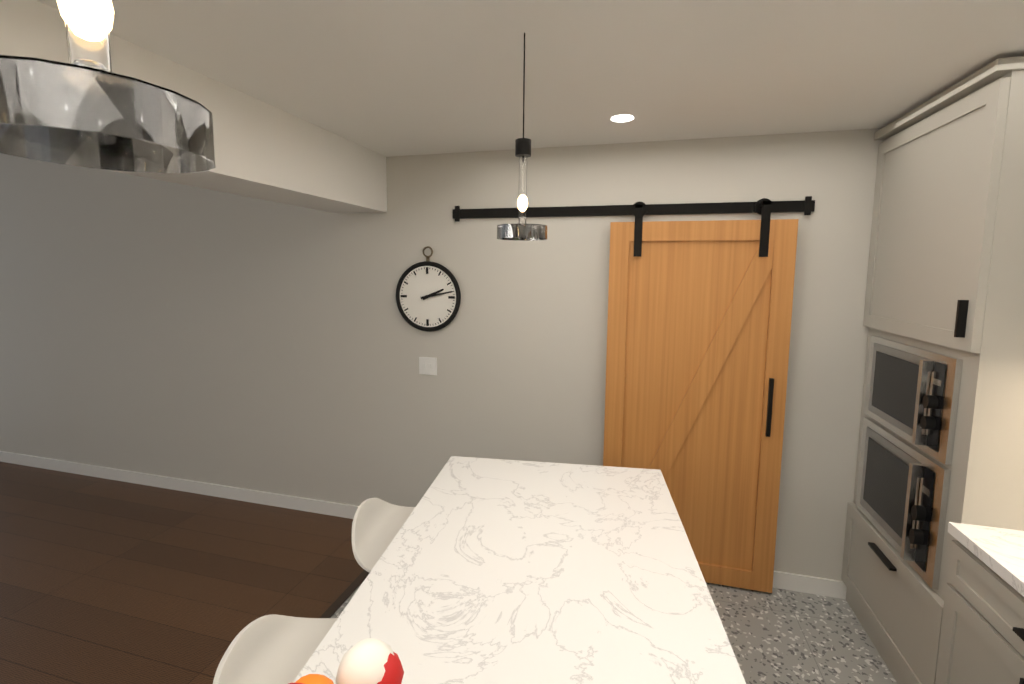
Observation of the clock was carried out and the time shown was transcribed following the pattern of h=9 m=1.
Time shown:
h=2 m=13
